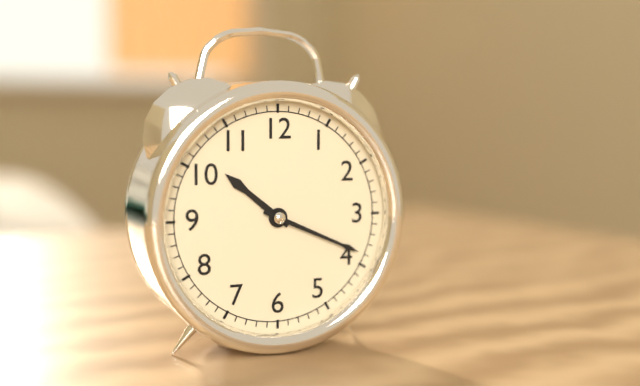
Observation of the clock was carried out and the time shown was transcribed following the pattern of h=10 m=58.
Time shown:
h=10 m=19
